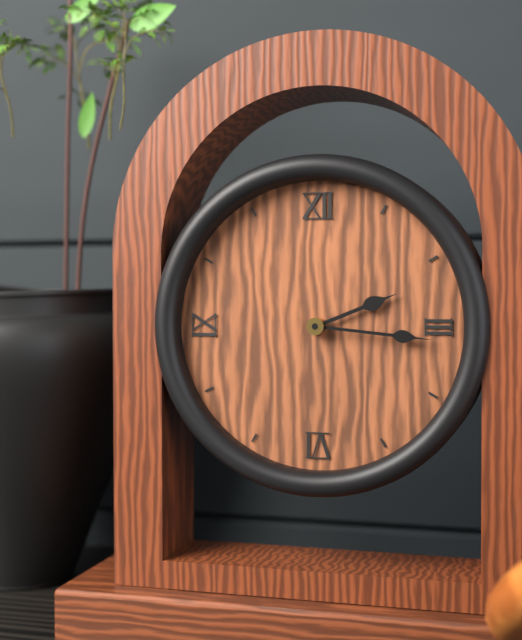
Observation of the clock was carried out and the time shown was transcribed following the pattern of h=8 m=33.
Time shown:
h=2 m=16
